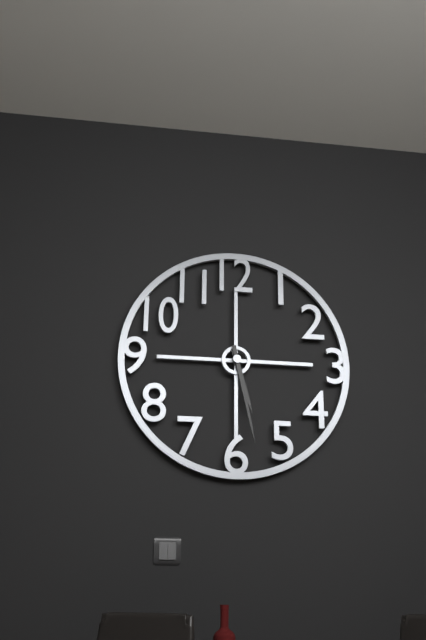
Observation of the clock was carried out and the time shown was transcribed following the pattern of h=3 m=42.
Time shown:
h=5 m=28
